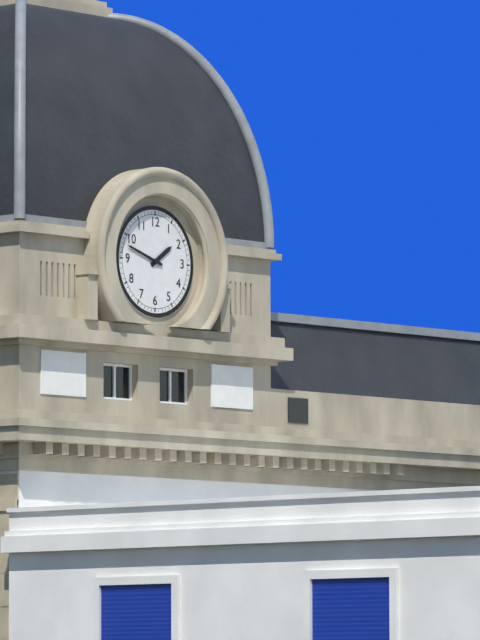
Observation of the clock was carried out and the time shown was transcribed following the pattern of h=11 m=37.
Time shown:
h=1 m=48
